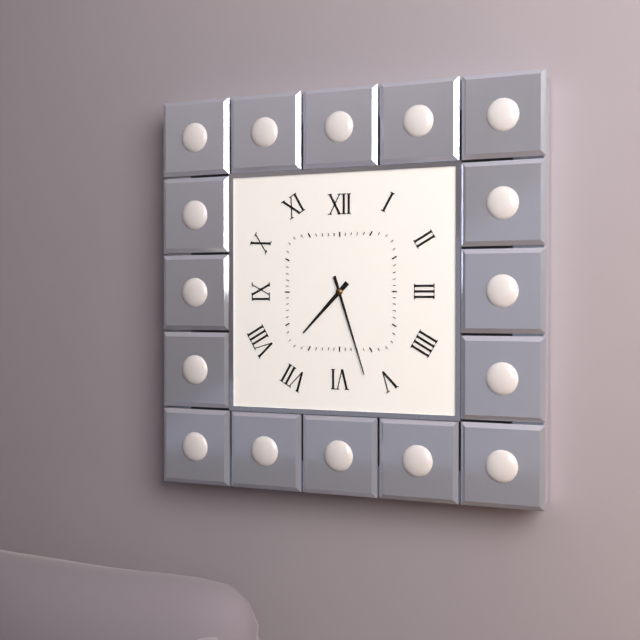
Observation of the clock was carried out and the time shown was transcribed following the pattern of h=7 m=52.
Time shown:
h=7 m=27
